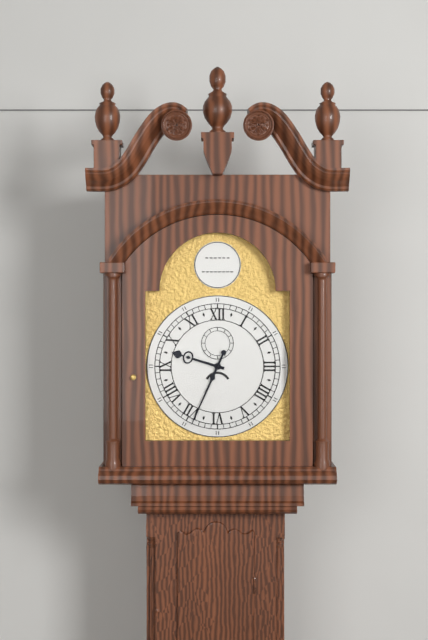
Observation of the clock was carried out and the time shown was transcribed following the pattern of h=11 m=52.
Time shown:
h=9 m=34
